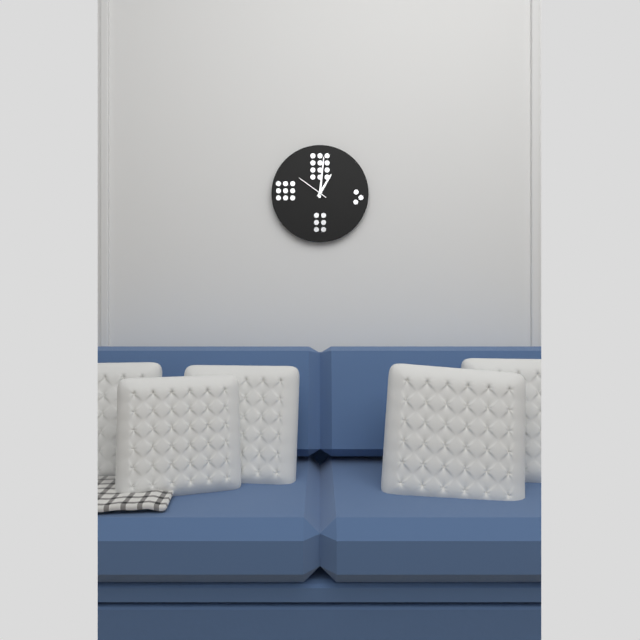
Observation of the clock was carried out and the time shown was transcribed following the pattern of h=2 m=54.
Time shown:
h=1 m=1
